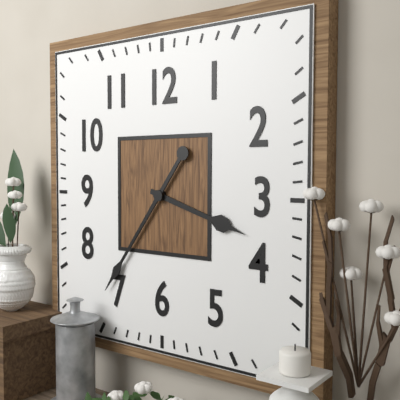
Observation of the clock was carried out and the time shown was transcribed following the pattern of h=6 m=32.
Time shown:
h=3 m=36
